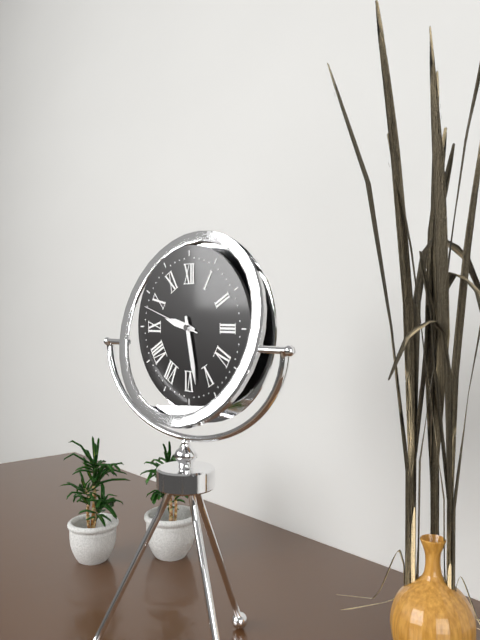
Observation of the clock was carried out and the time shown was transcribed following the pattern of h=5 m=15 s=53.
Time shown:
h=9 m=28 s=48
